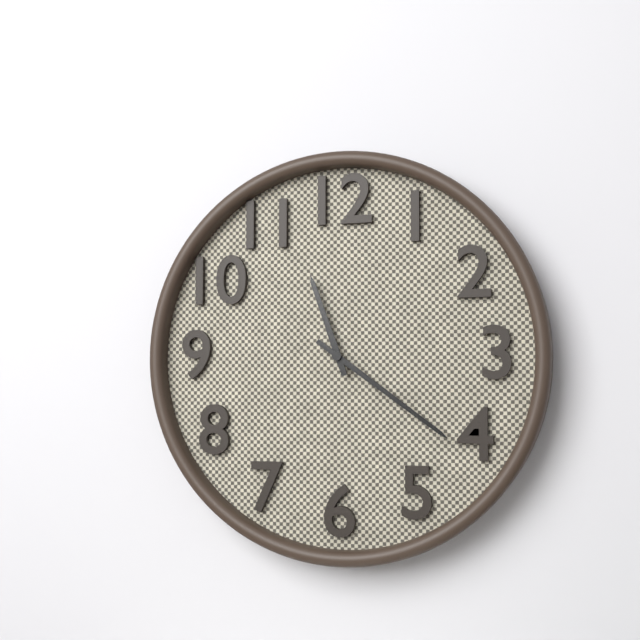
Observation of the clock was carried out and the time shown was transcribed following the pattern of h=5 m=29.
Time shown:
h=11 m=21
